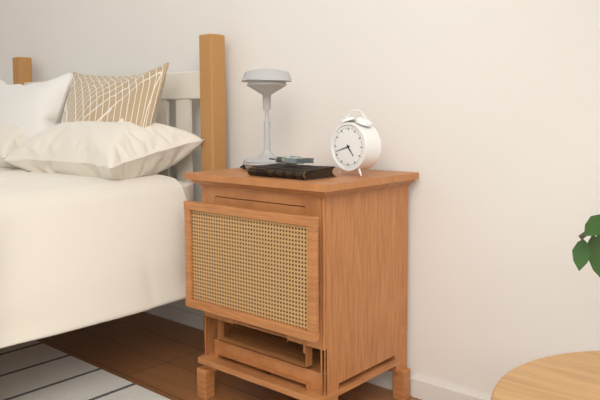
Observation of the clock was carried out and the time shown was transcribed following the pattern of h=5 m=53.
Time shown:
h=4 m=42
